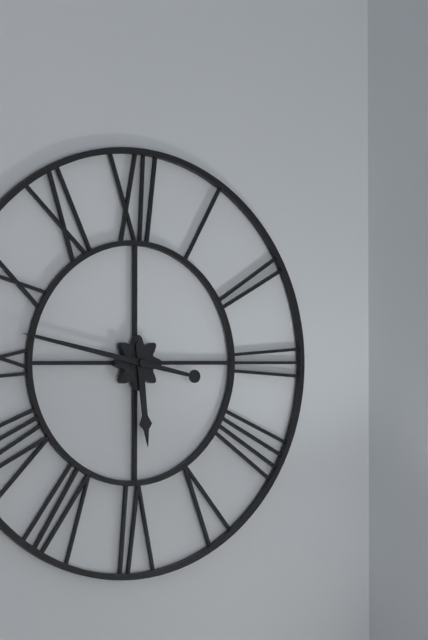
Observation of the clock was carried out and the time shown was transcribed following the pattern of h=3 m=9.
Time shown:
h=5 m=47
